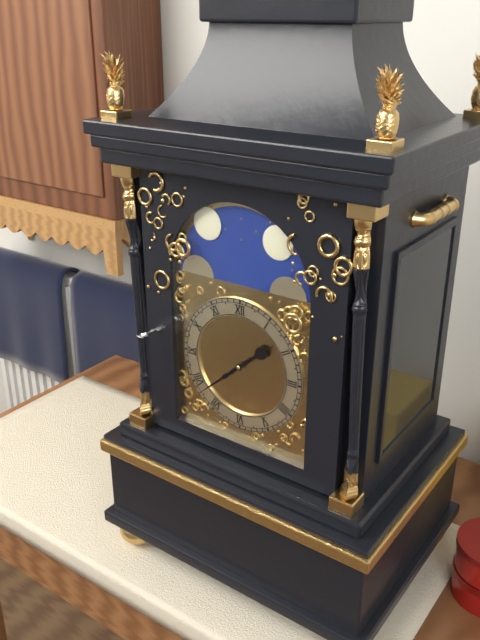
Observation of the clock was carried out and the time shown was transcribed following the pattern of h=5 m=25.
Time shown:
h=1 m=38
